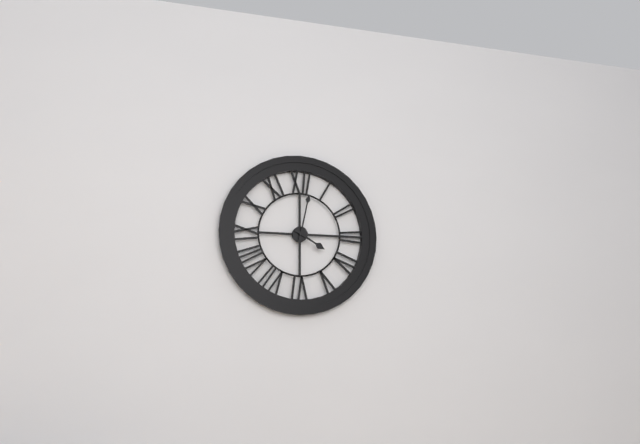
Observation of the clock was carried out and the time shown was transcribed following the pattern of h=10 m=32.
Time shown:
h=4 m=2
